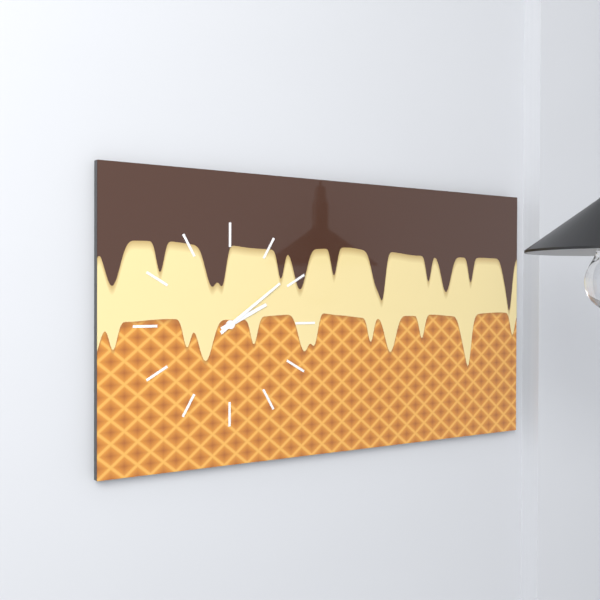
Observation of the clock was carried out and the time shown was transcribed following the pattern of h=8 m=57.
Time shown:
h=2 m=9
